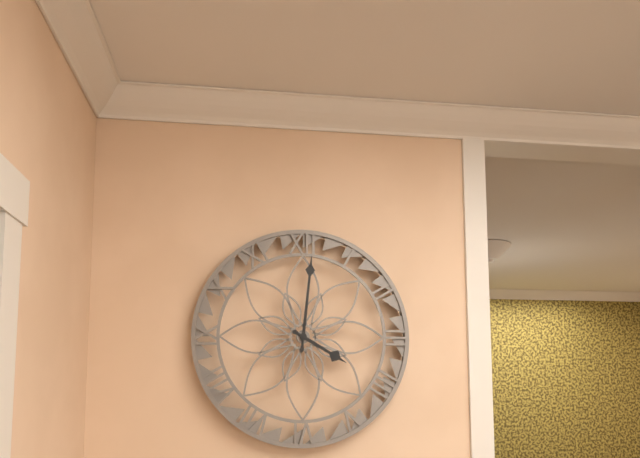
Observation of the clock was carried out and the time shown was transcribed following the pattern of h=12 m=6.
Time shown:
h=4 m=1
